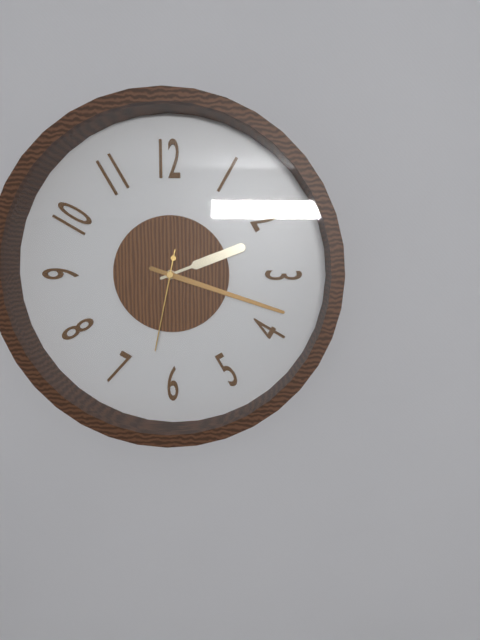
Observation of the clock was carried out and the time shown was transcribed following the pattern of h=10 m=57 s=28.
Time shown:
h=2 m=18 s=32
